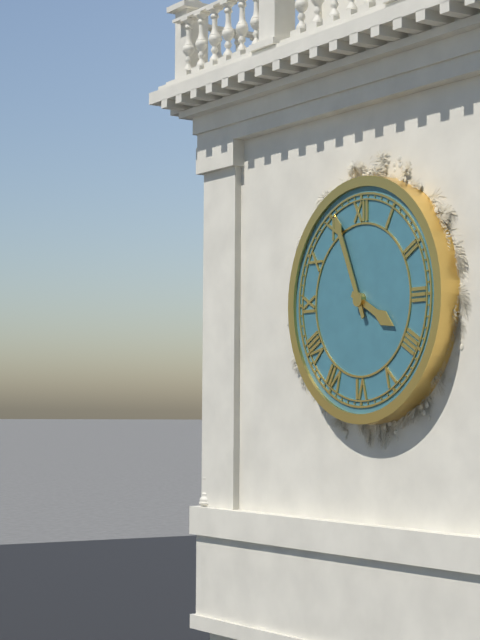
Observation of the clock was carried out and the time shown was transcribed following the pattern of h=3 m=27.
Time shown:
h=3 m=56
